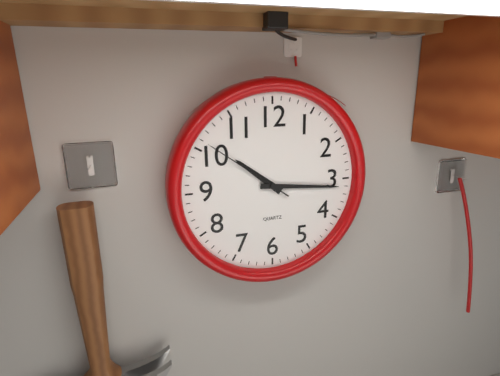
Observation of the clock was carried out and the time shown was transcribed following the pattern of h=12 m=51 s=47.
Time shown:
h=10 m=16 s=51
